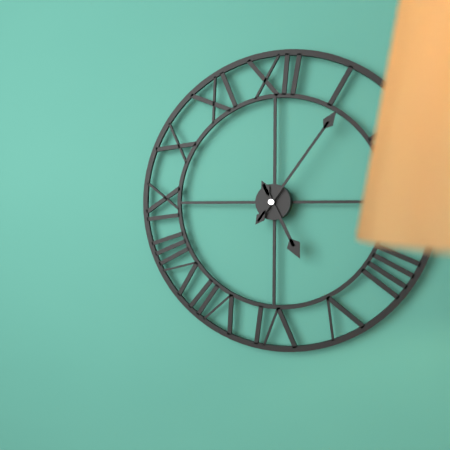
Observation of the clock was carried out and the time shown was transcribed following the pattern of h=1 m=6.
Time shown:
h=5 m=6
